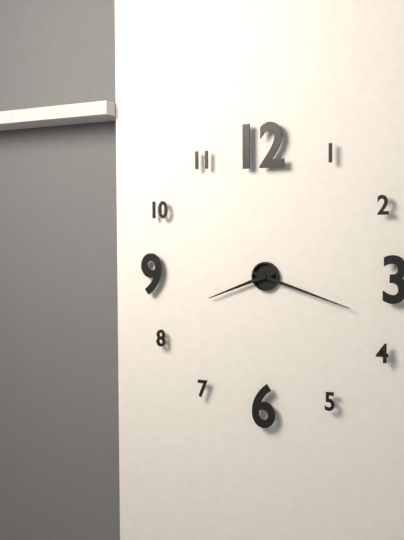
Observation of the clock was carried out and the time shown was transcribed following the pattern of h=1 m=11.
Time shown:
h=8 m=18
